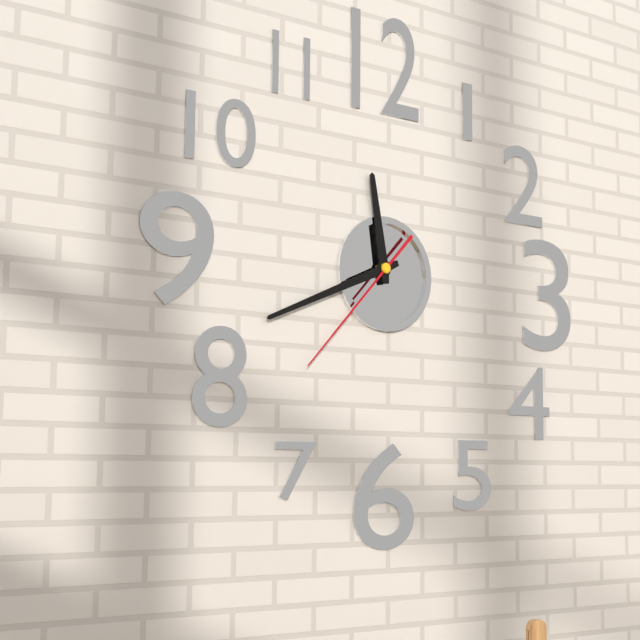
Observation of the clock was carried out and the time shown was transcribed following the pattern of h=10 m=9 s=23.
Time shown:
h=11 m=41 s=37
